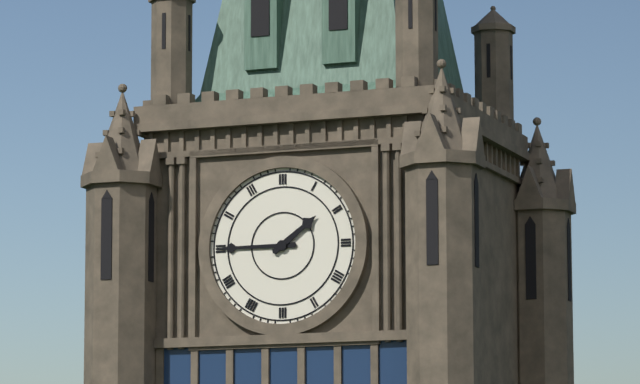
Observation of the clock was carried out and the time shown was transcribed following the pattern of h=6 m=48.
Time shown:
h=1 m=45
